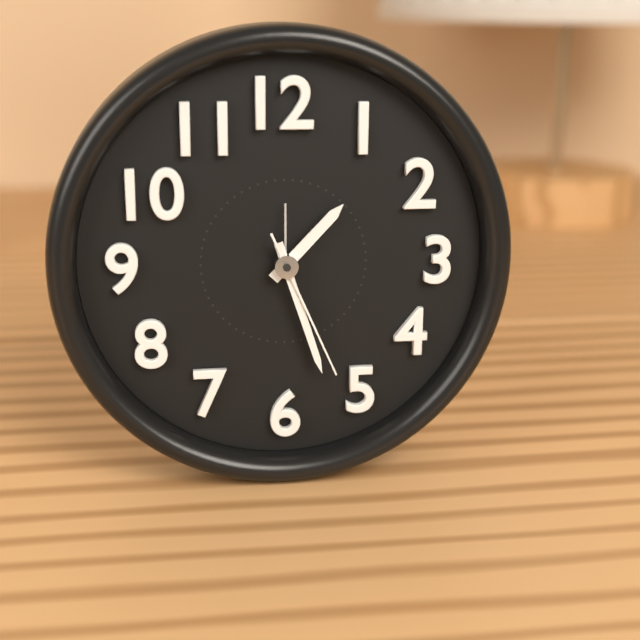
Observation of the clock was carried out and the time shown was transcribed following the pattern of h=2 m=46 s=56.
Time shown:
h=1 m=27 s=26
